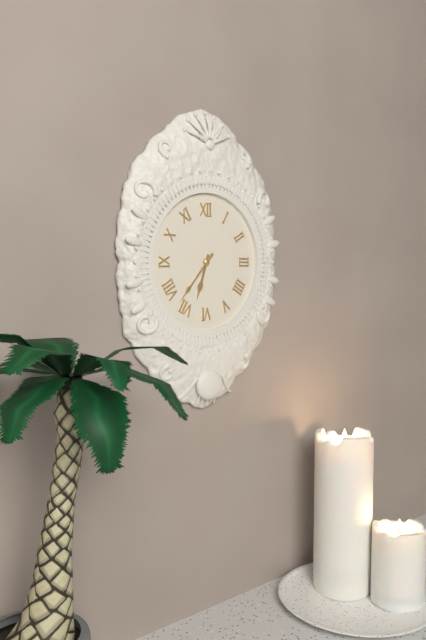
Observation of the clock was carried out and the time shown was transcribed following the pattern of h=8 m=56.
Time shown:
h=6 m=37
